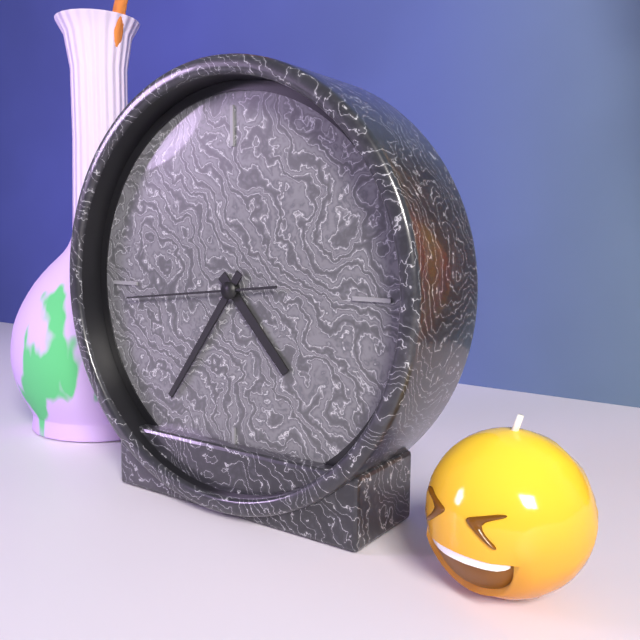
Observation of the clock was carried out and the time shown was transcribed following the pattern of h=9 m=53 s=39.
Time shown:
h=4 m=36 s=44
